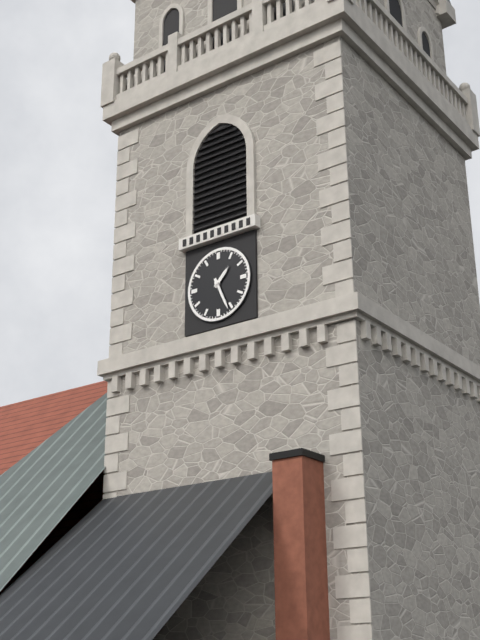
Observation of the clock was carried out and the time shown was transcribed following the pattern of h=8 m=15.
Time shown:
h=1 m=26
